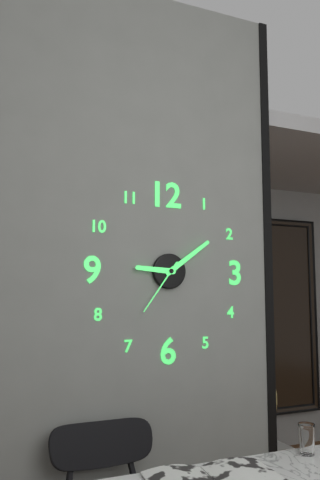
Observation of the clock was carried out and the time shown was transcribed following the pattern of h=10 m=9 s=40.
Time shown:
h=9 m=9 s=36
